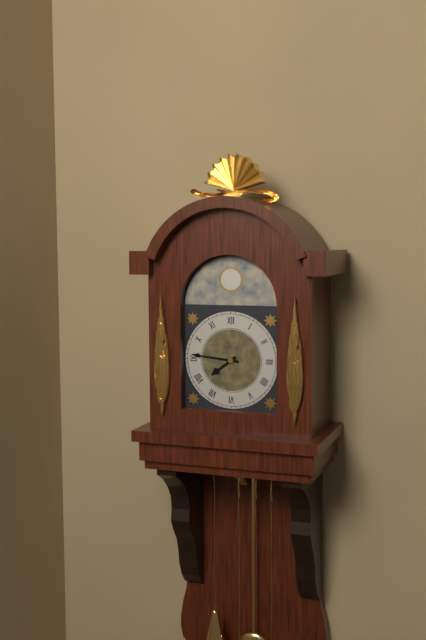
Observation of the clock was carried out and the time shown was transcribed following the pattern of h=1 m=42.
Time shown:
h=7 m=46
